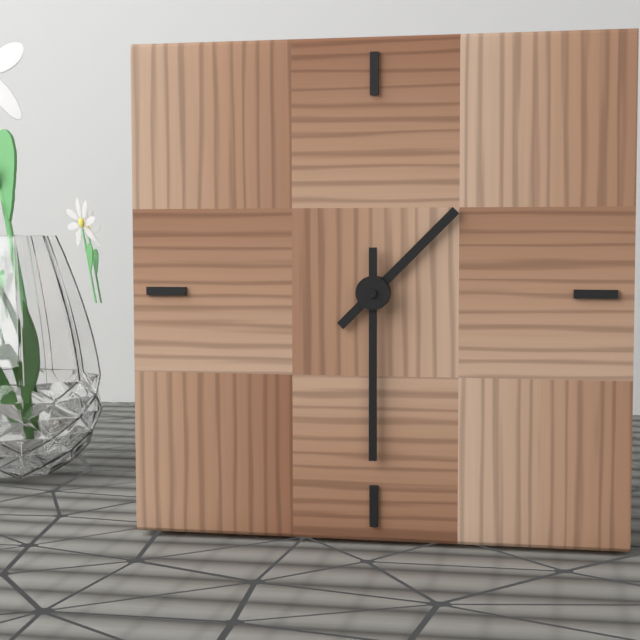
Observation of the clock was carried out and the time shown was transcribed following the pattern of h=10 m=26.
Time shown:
h=1 m=30
